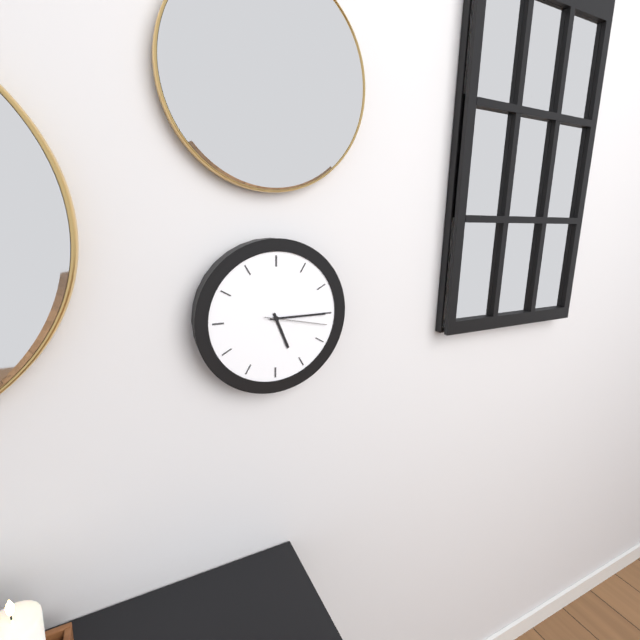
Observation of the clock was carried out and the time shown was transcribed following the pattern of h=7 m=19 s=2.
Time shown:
h=5 m=15 s=17
